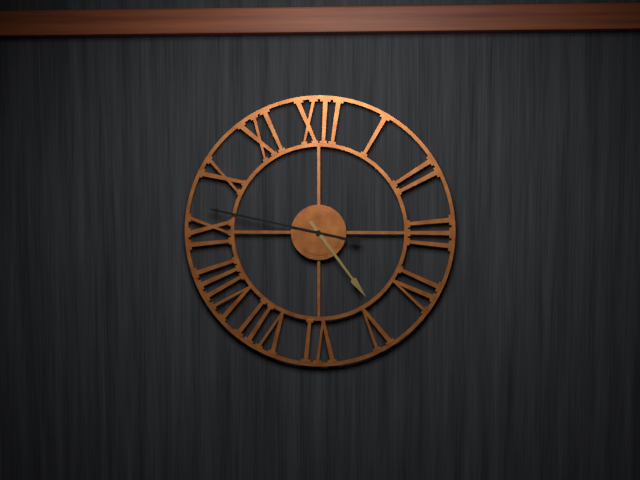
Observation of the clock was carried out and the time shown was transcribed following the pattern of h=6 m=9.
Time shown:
h=4 m=47
